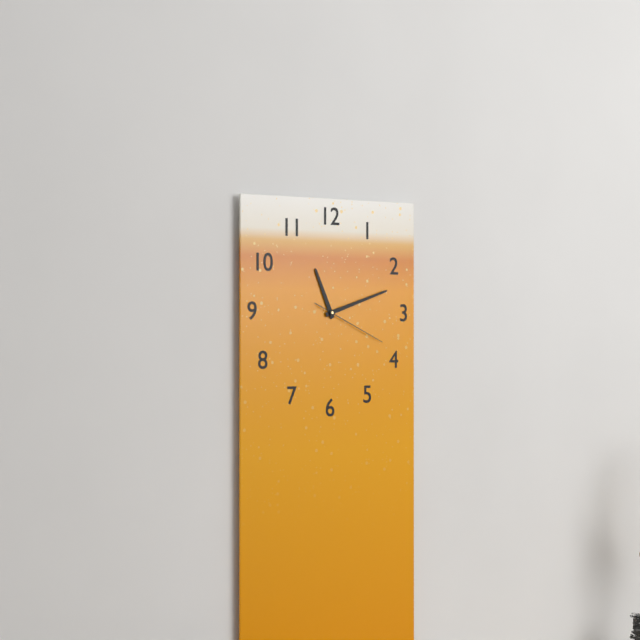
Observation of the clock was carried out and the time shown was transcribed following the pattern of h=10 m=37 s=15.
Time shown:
h=11 m=12 s=19
